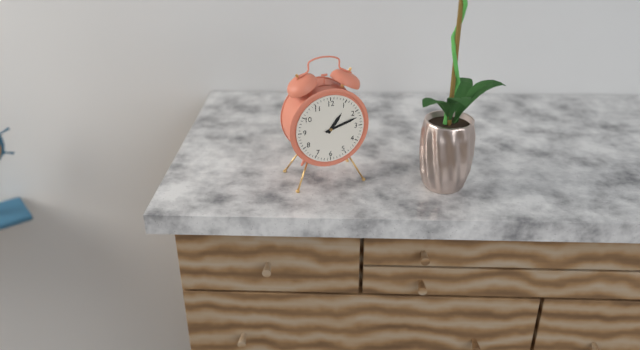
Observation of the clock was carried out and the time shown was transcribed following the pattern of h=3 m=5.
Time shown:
h=1 m=12
